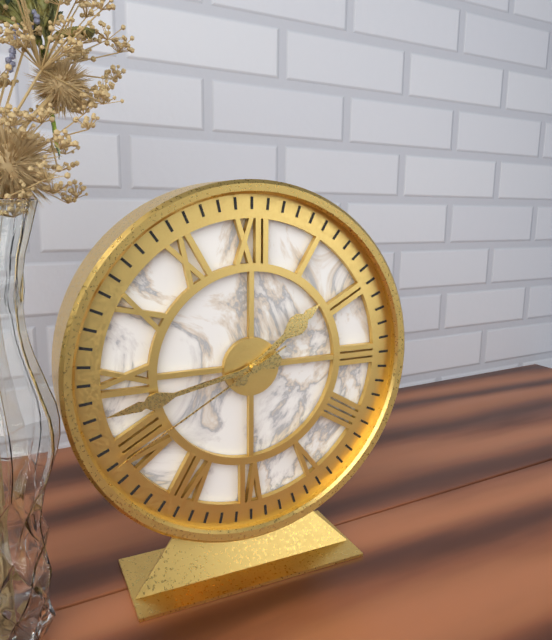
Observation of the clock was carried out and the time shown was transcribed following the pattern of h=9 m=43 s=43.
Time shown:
h=1 m=43 s=40
